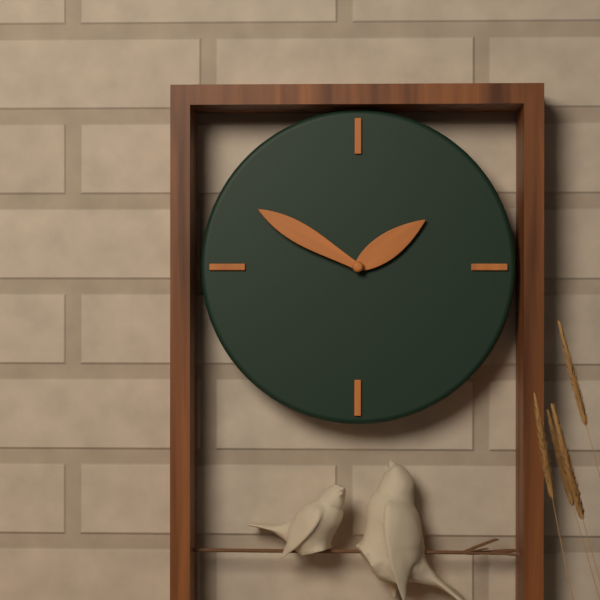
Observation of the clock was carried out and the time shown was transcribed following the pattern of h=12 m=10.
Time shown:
h=1 m=50
